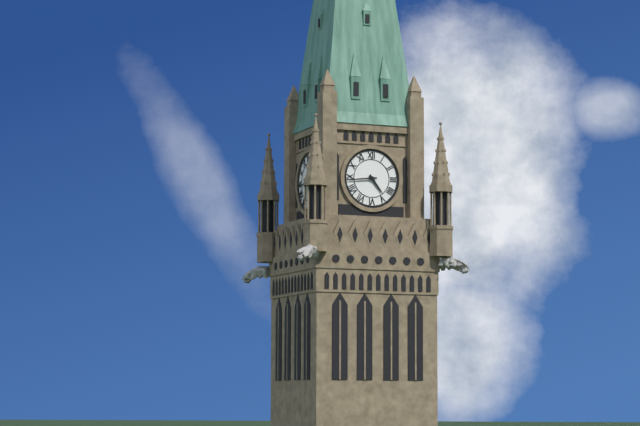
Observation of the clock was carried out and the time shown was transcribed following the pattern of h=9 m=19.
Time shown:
h=4 m=44
